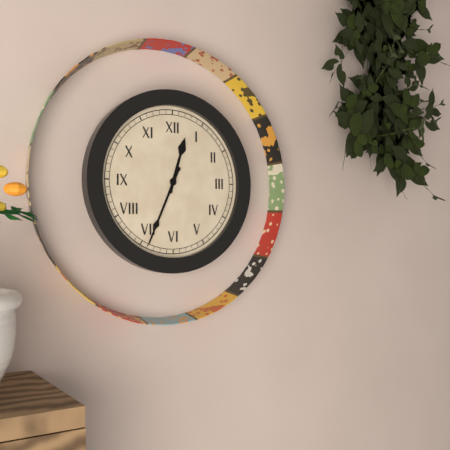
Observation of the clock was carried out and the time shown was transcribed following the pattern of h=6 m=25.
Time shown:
h=12 m=34
